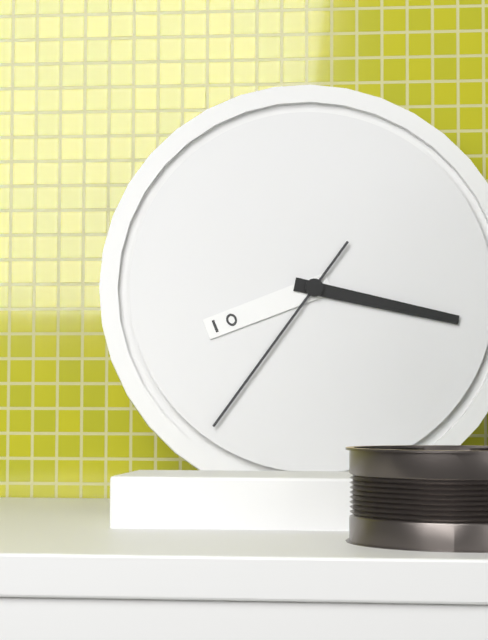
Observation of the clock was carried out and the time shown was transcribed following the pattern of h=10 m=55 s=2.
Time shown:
h=8 m=17 s=36
